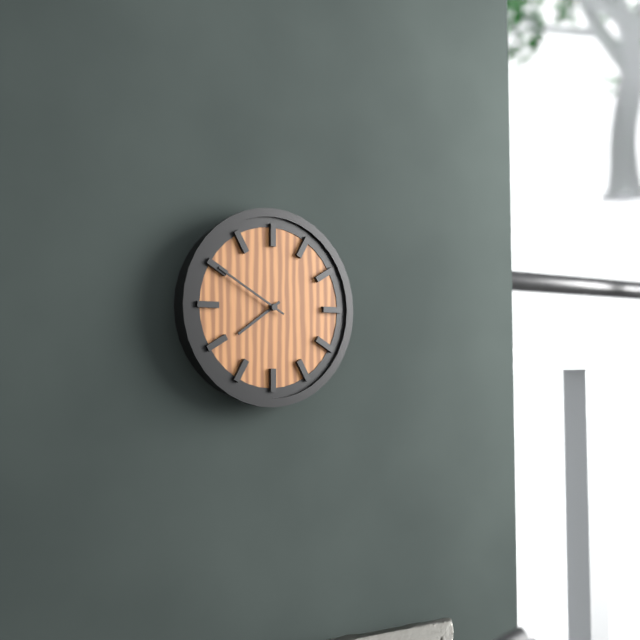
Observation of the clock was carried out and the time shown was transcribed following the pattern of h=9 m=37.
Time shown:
h=7 m=50
